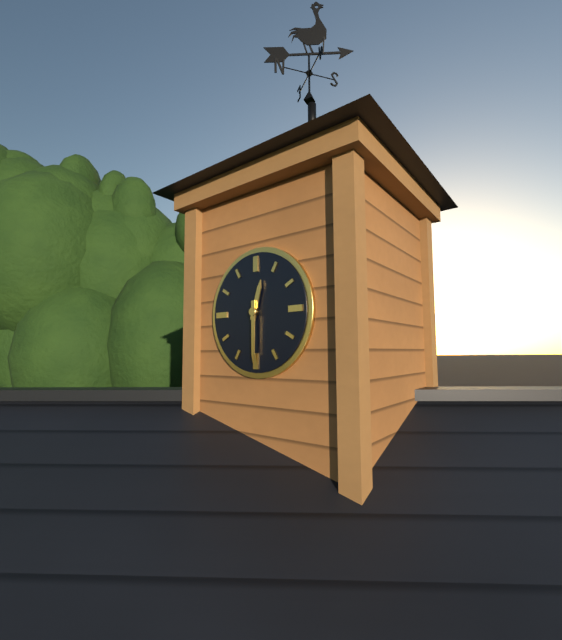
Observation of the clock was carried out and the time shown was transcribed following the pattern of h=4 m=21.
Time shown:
h=12 m=30
